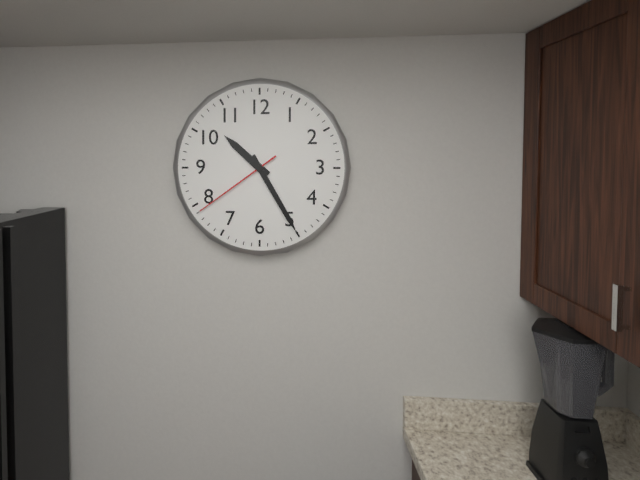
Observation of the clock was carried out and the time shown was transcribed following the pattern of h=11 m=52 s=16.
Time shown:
h=10 m=25 s=39
